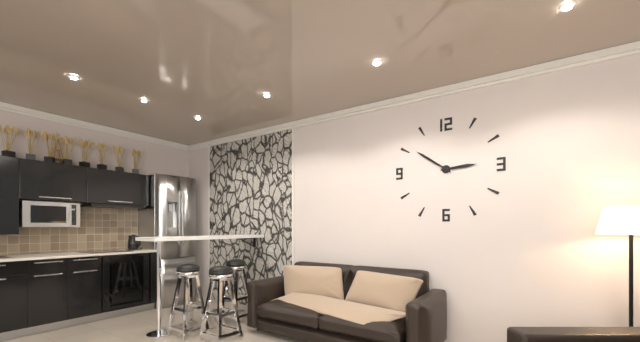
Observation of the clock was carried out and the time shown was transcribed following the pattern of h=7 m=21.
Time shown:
h=2 m=51
